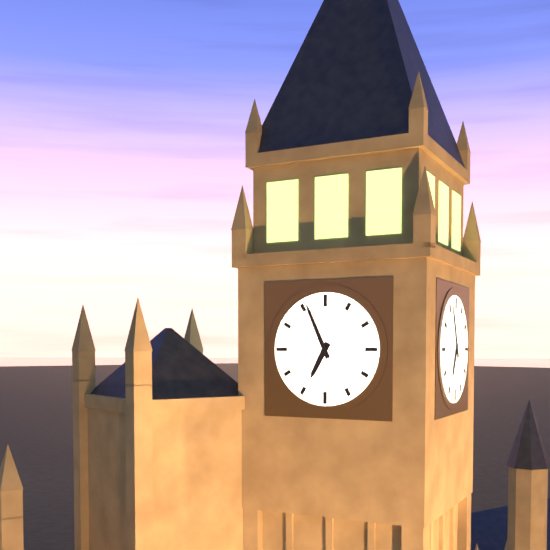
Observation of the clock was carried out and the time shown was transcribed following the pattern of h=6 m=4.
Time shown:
h=6 m=56
